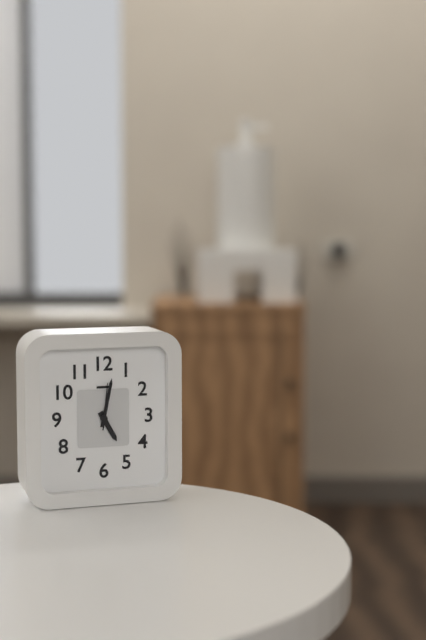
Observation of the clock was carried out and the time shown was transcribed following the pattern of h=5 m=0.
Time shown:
h=5 m=2
